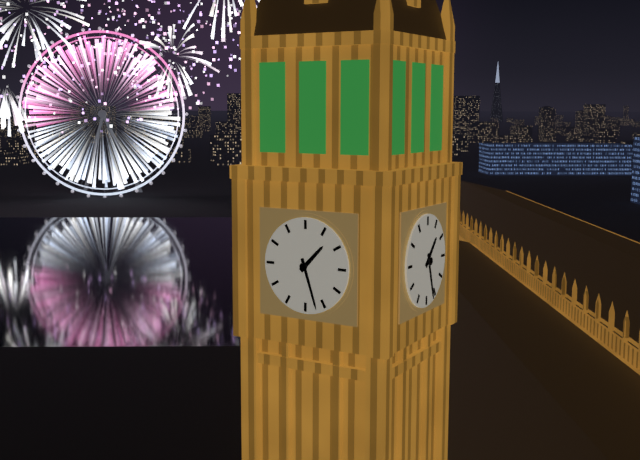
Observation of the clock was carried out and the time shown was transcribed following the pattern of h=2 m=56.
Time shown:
h=1 m=27
